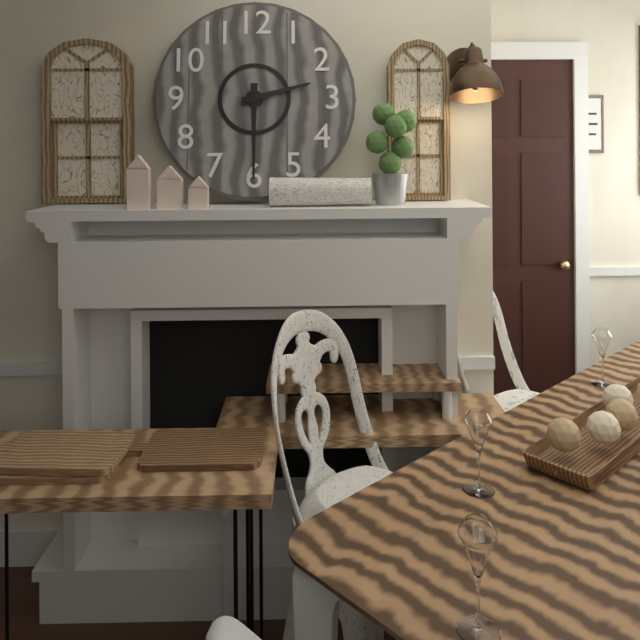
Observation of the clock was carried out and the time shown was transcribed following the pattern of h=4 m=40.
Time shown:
h=2 m=30
